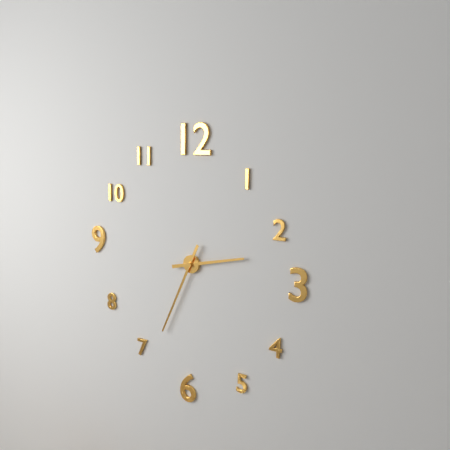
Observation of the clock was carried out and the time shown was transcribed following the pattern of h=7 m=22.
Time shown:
h=2 m=34
